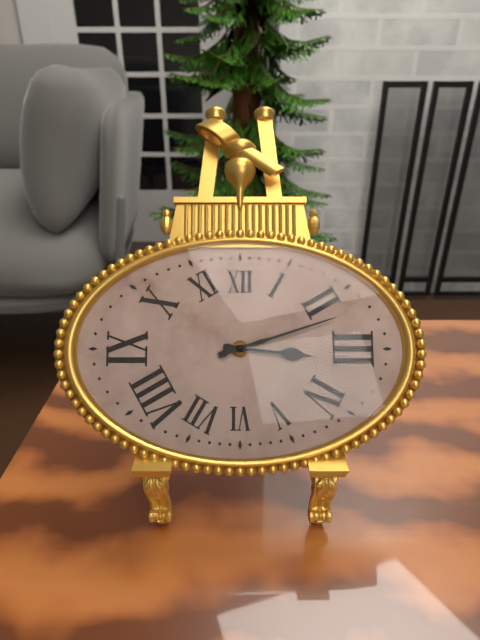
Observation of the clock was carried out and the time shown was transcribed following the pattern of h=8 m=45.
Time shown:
h=3 m=12
